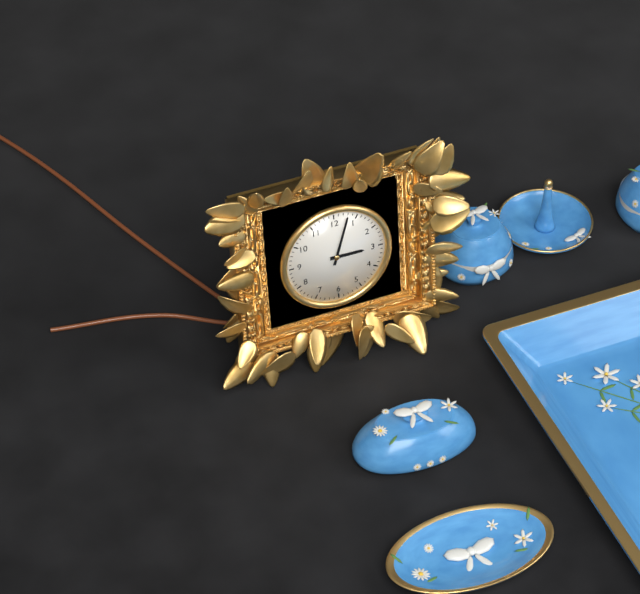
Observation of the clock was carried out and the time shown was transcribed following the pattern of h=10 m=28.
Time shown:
h=3 m=3
